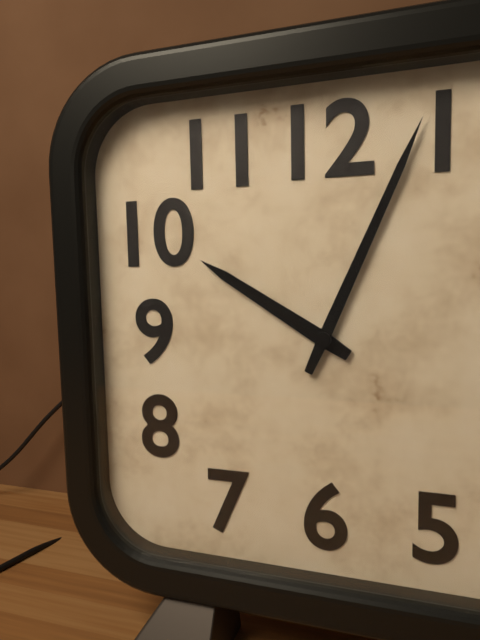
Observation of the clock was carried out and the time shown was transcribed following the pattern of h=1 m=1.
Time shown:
h=10 m=4
